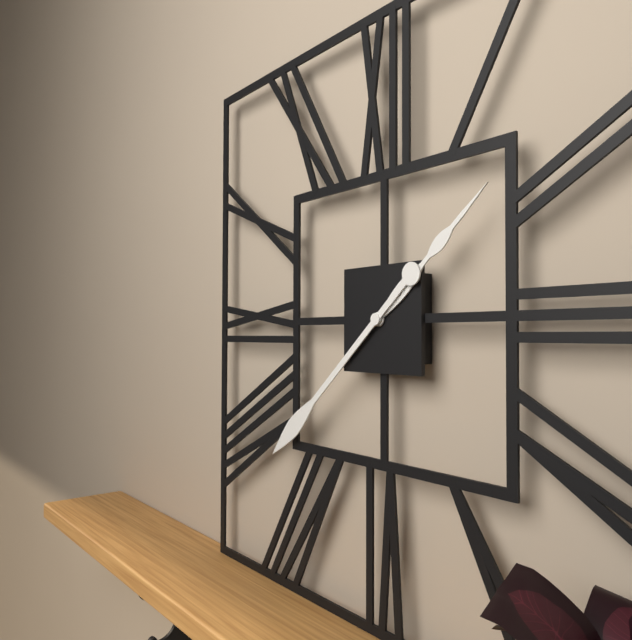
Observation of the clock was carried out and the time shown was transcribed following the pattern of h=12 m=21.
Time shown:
h=1 m=38
